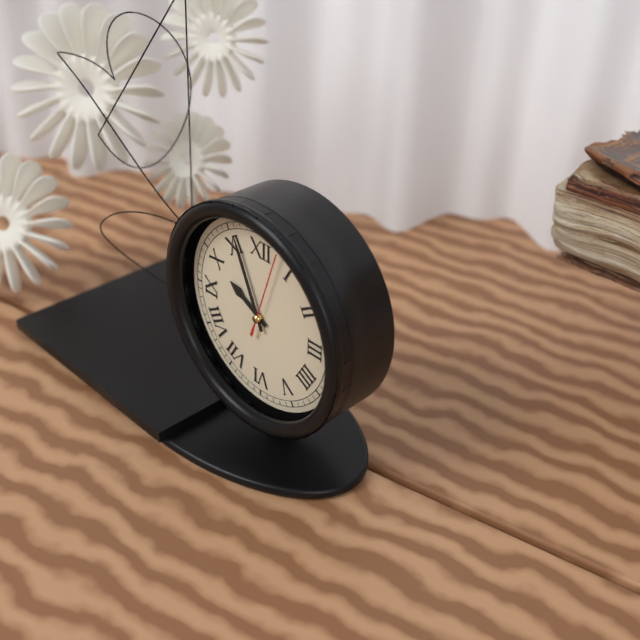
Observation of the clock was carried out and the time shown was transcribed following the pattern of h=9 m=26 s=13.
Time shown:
h=9 m=56 s=3
